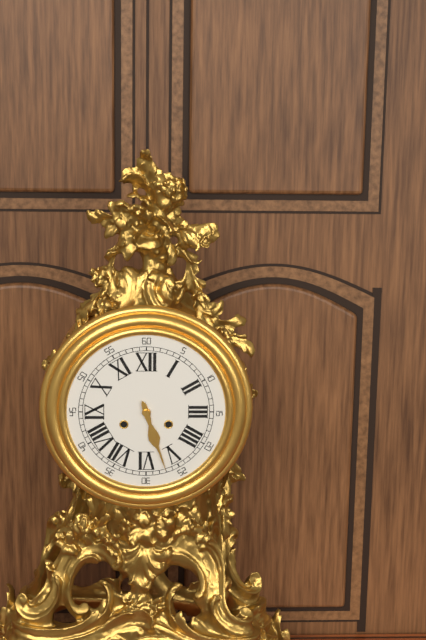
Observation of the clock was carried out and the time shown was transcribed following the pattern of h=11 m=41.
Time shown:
h=5 m=27
